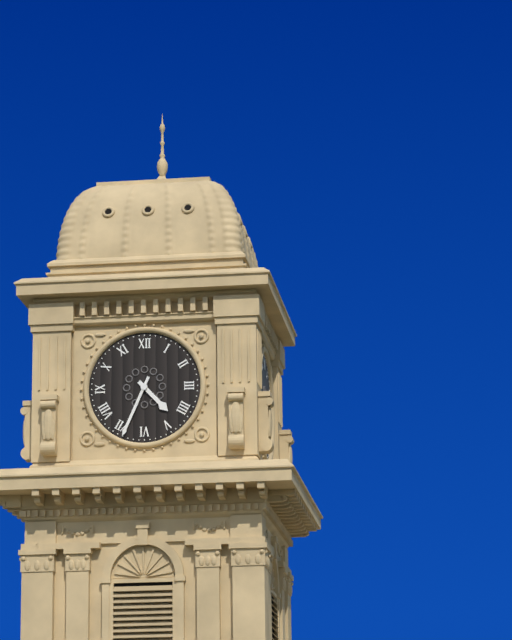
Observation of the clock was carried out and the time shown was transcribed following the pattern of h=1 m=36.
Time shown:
h=4 m=34
